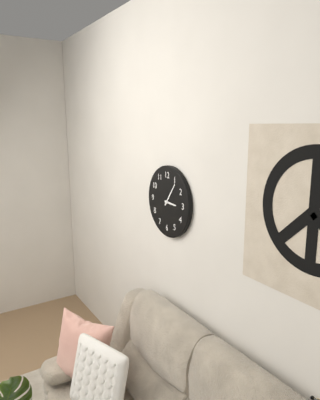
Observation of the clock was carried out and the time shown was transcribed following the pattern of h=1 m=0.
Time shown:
h=3 m=6
